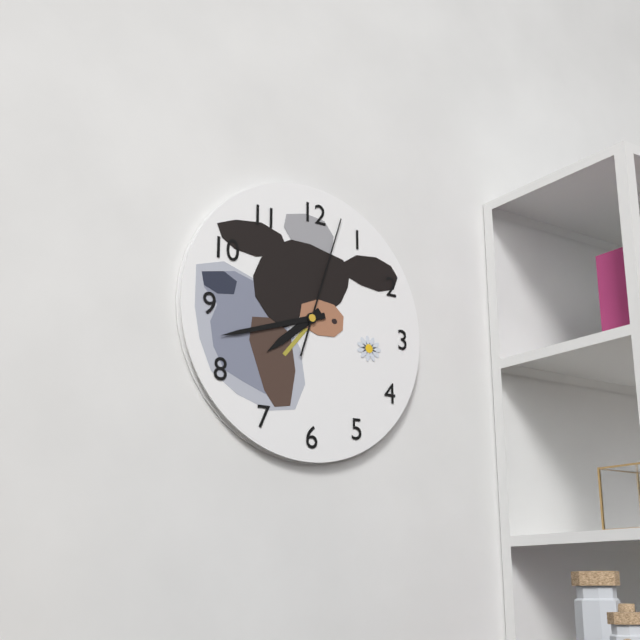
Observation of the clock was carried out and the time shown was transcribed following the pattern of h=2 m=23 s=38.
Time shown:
h=7 m=42 s=3
